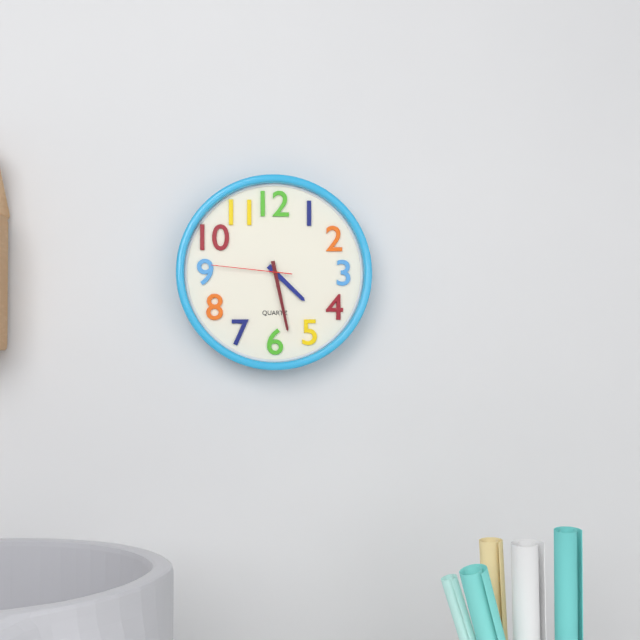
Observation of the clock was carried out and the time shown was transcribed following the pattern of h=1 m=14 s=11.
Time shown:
h=4 m=28 s=46
